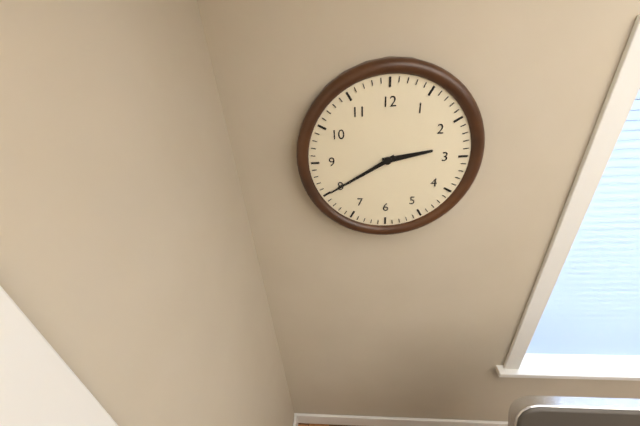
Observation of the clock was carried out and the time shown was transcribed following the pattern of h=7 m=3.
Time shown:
h=2 m=40
